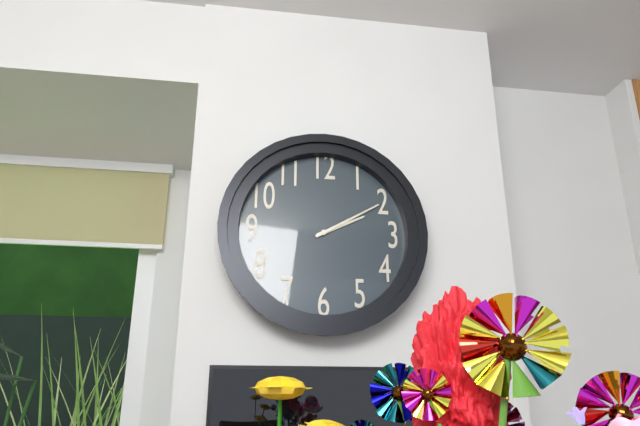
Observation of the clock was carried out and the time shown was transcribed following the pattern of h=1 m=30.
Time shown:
h=2 m=10
